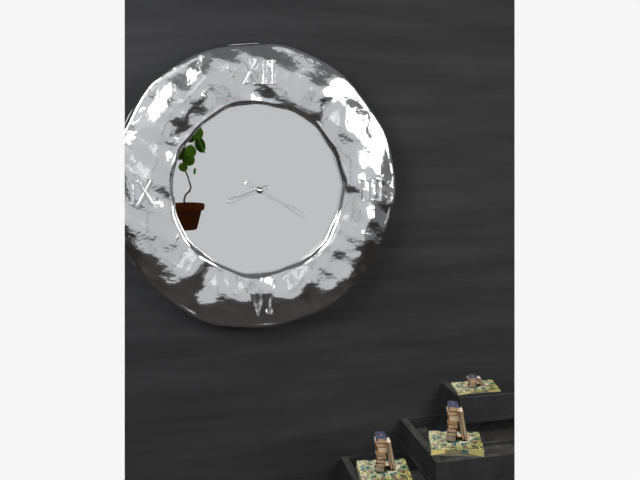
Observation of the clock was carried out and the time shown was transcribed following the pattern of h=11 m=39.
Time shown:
h=8 m=20
